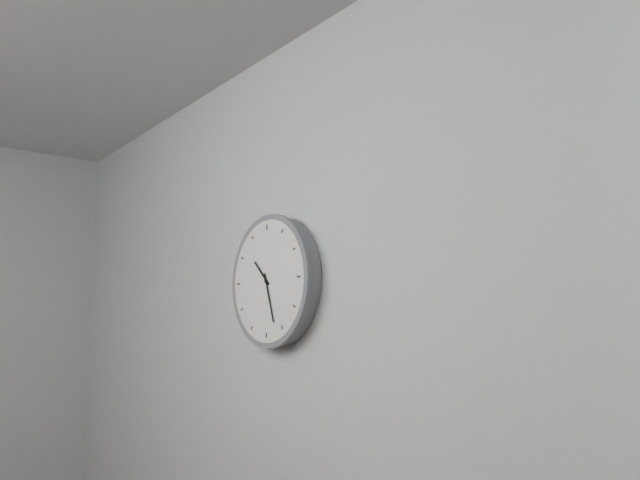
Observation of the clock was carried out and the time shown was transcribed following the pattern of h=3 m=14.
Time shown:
h=10 m=27
